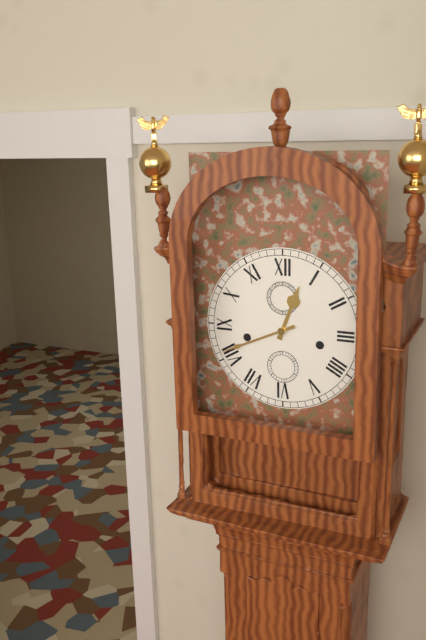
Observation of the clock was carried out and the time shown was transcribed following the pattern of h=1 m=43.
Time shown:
h=12 m=41
